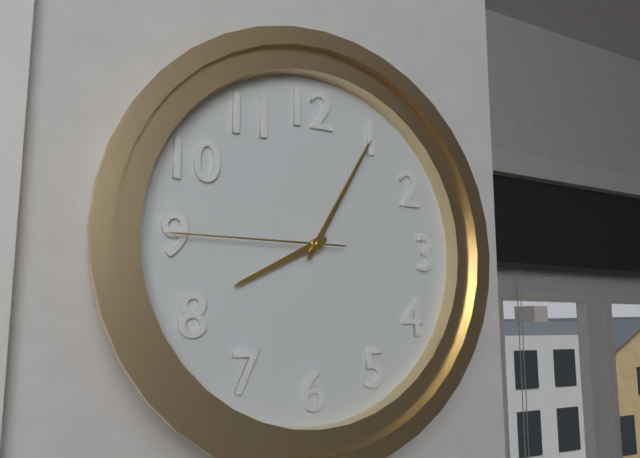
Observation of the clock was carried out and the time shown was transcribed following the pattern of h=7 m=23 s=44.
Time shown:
h=8 m=5 s=45
